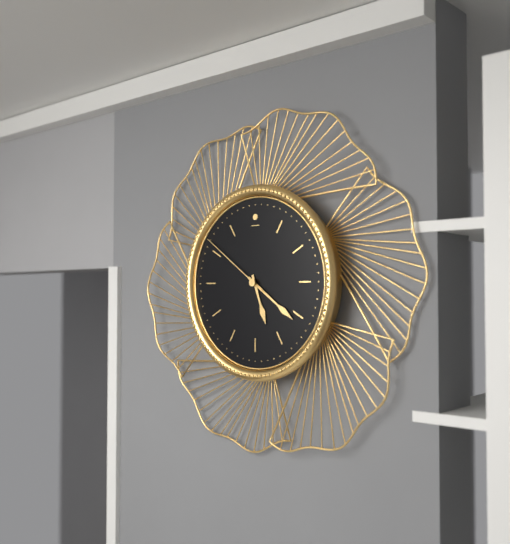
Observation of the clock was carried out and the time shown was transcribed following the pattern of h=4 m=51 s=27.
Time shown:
h=5 m=21 s=51
